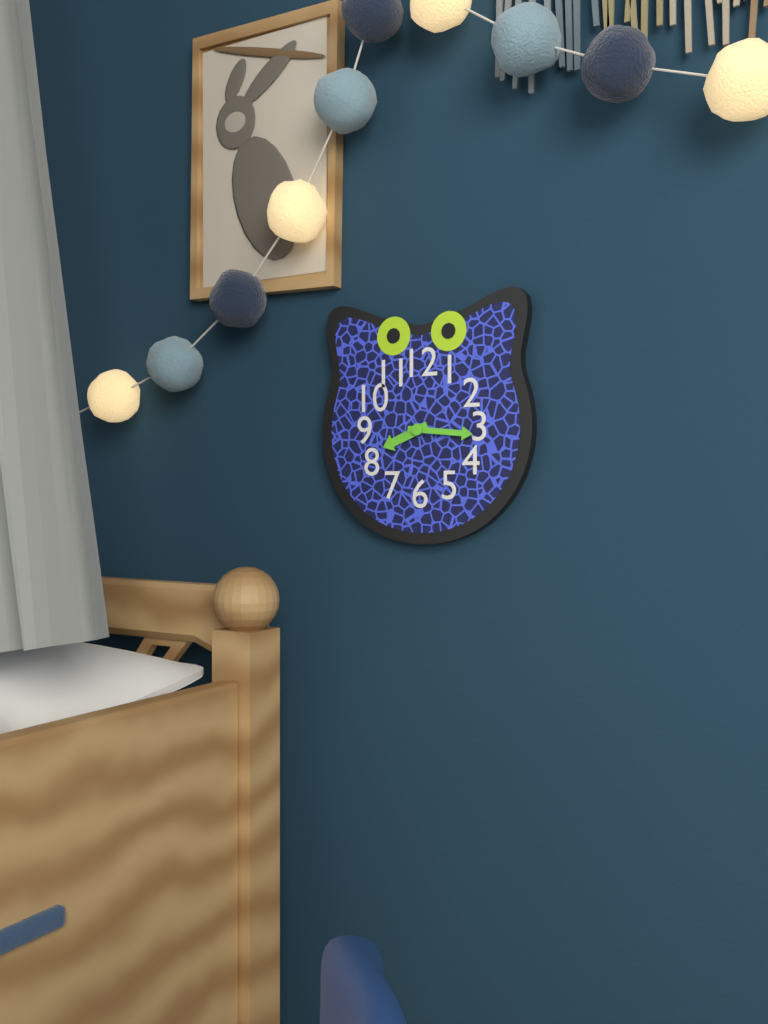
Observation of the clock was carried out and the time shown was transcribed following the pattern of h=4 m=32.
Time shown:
h=8 m=16
